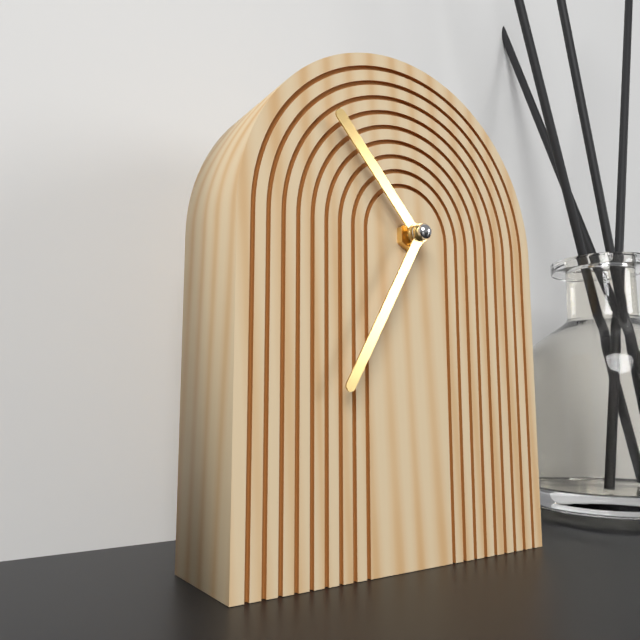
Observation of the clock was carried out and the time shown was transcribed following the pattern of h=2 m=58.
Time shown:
h=10 m=35
